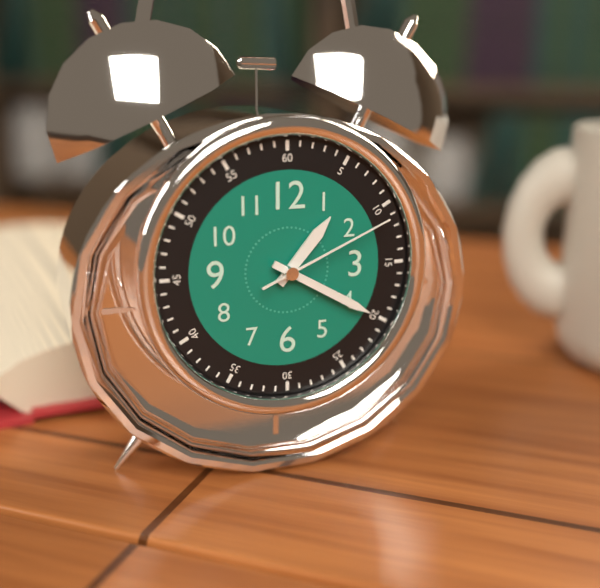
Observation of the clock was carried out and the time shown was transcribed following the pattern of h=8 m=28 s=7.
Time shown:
h=1 m=20 s=11
